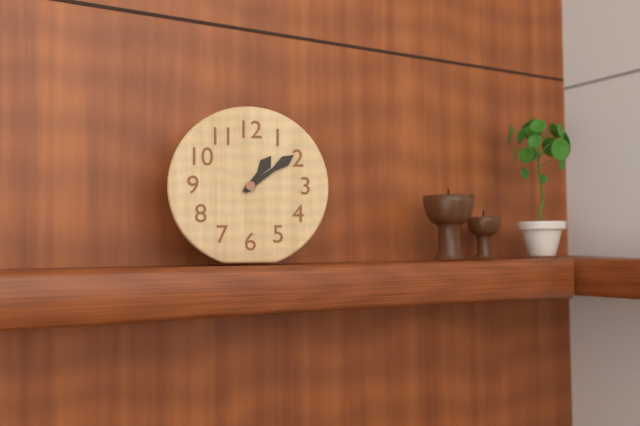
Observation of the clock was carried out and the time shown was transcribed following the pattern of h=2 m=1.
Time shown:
h=1 m=9
